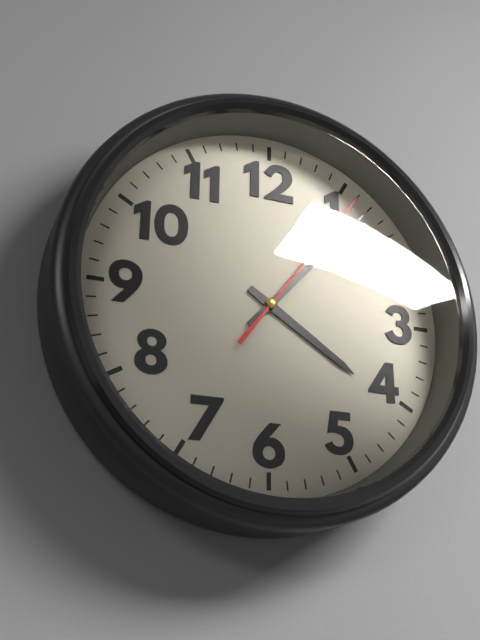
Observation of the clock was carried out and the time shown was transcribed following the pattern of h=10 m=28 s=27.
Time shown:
h=4 m=7 s=6
